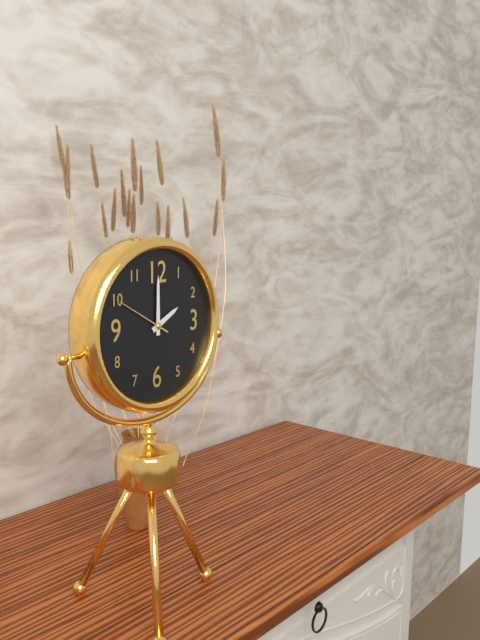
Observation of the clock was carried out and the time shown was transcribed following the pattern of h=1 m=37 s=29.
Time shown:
h=2 m=0 s=50
